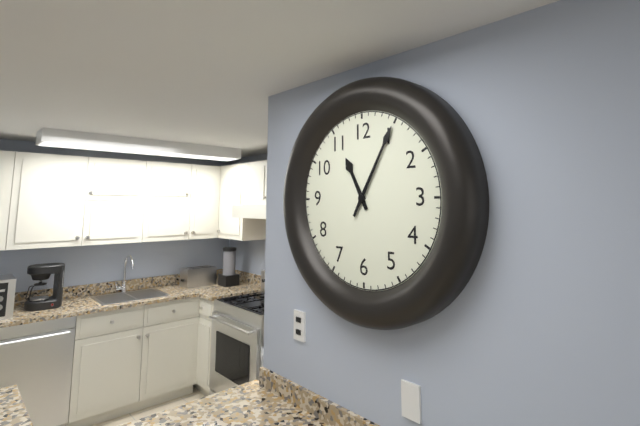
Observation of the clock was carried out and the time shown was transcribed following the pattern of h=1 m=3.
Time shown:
h=11 m=5
